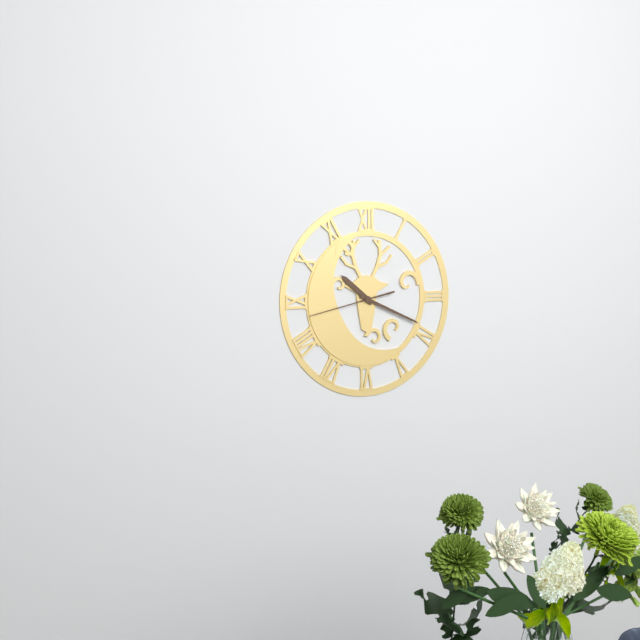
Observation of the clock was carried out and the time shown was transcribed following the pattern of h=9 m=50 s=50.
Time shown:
h=10 m=19 s=43
